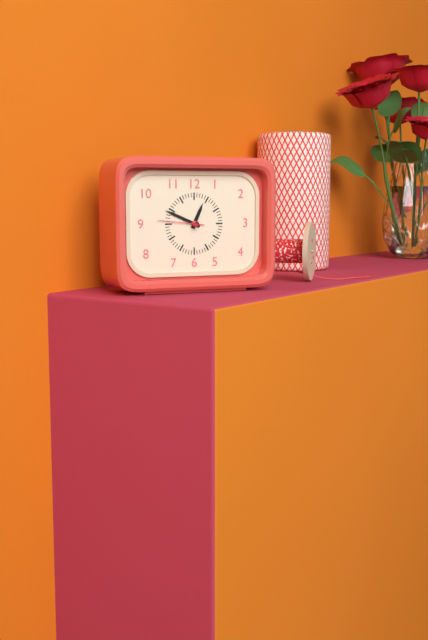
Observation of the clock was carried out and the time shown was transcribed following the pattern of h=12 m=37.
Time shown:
h=12 m=49
